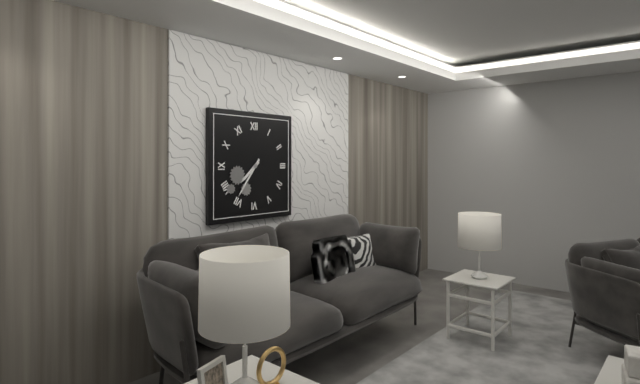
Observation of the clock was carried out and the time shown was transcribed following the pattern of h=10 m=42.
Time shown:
h=7 m=36
